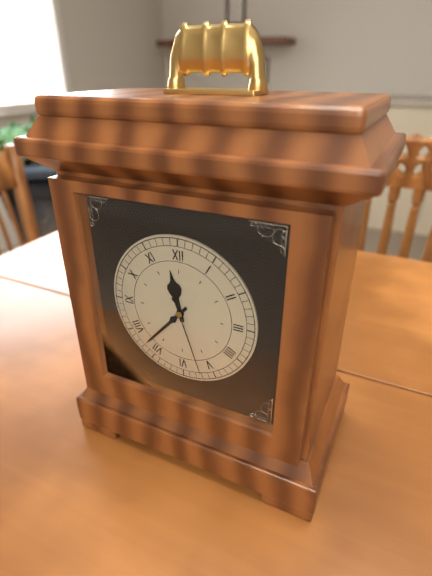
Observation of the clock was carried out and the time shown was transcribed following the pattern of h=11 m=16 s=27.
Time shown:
h=11 m=37 s=27
